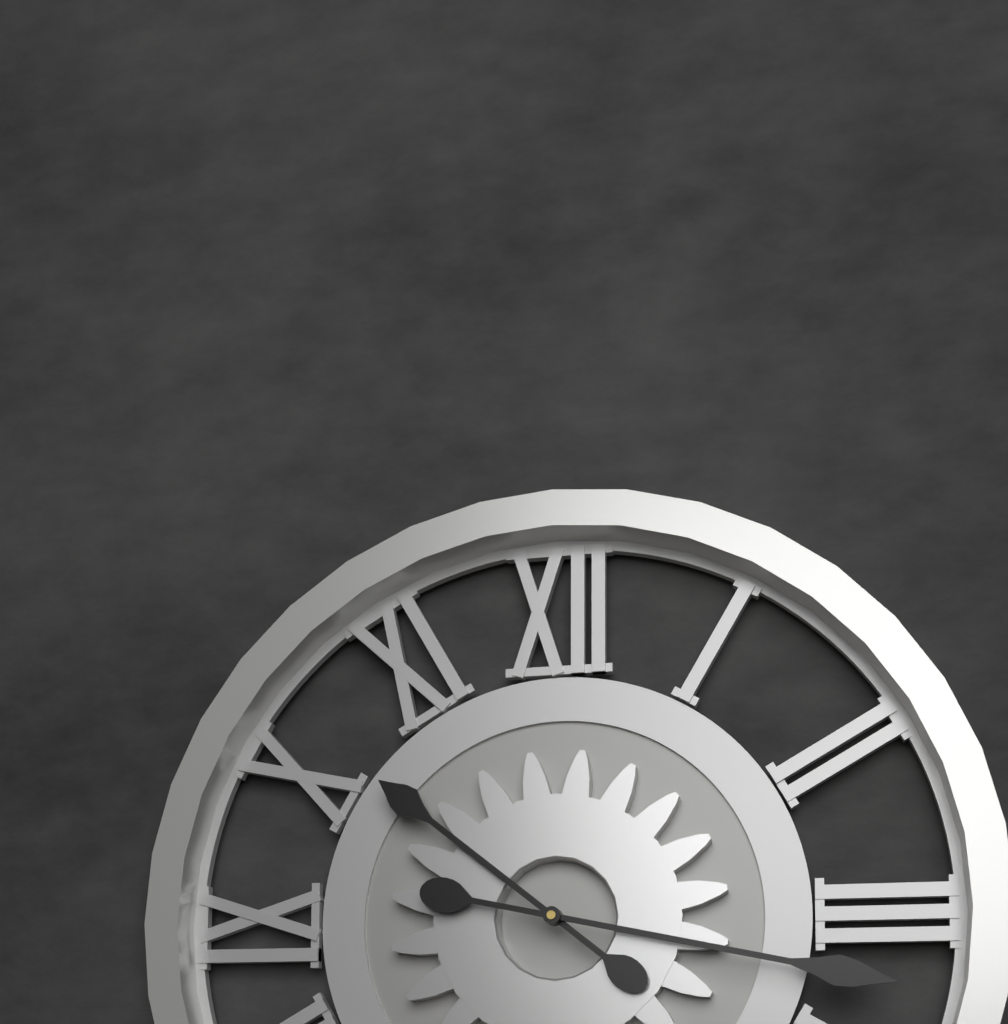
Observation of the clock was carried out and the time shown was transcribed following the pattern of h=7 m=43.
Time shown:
h=10 m=17
